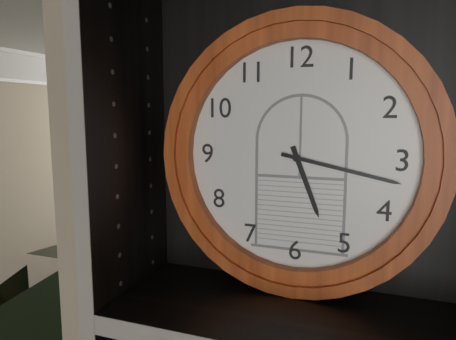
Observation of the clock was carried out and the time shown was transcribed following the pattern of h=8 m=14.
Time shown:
h=5 m=17
